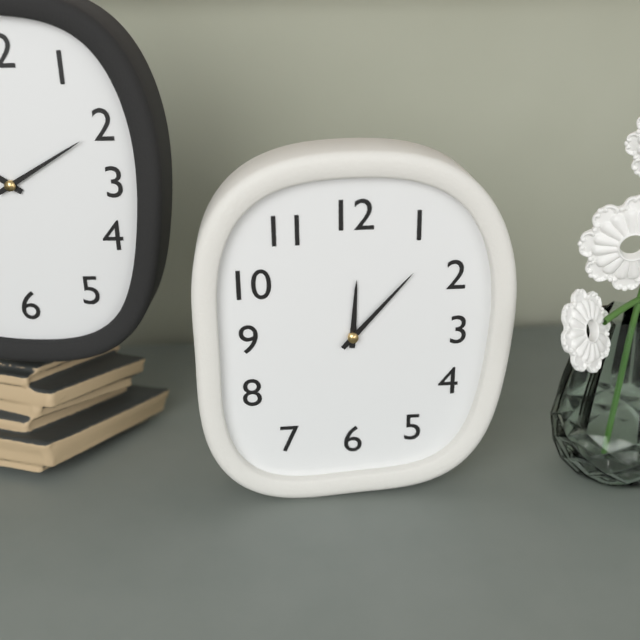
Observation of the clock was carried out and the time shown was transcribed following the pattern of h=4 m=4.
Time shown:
h=12 m=7
